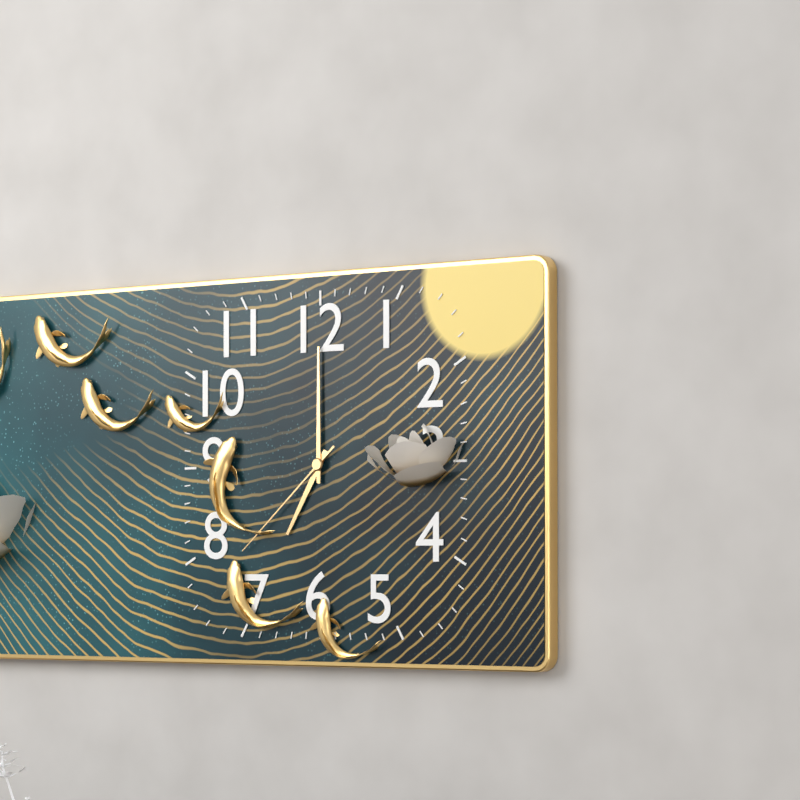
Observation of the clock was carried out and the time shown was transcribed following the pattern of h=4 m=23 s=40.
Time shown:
h=7 m=0 s=38
